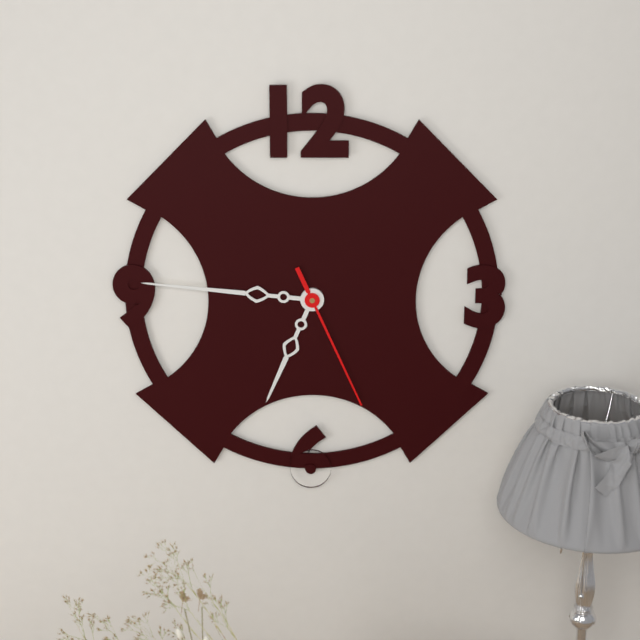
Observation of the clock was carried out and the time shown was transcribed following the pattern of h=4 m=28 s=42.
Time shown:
h=6 m=46 s=26
